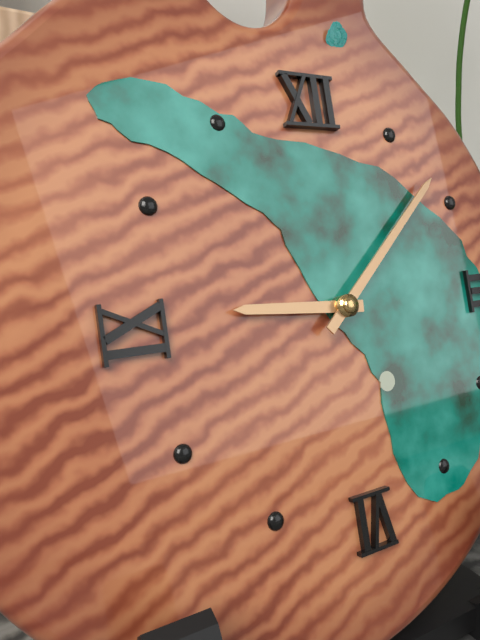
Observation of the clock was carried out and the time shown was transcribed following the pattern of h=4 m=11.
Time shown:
h=9 m=8
